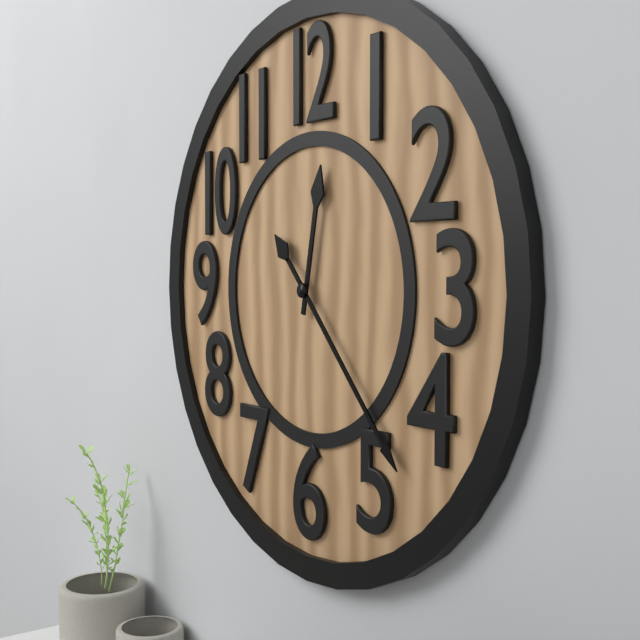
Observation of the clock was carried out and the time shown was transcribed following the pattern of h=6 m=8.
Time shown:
h=12 m=23
